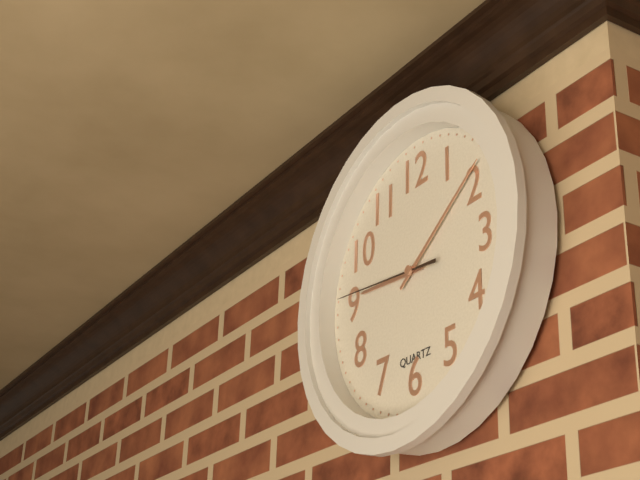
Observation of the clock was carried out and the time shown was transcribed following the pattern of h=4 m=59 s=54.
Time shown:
h=9 m=9 s=46
